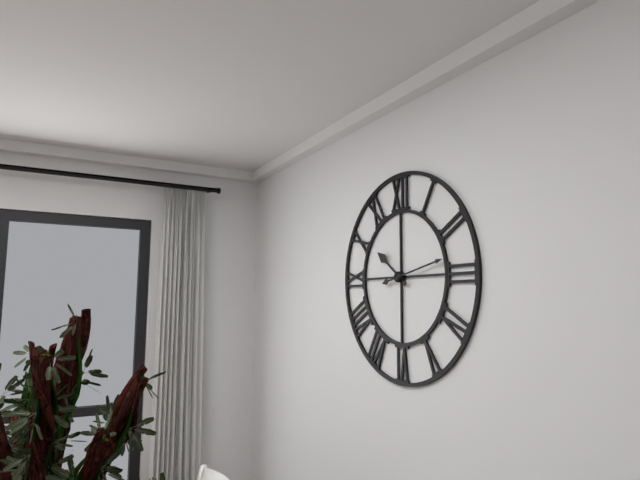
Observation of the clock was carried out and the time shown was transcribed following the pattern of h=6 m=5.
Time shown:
h=10 m=13
